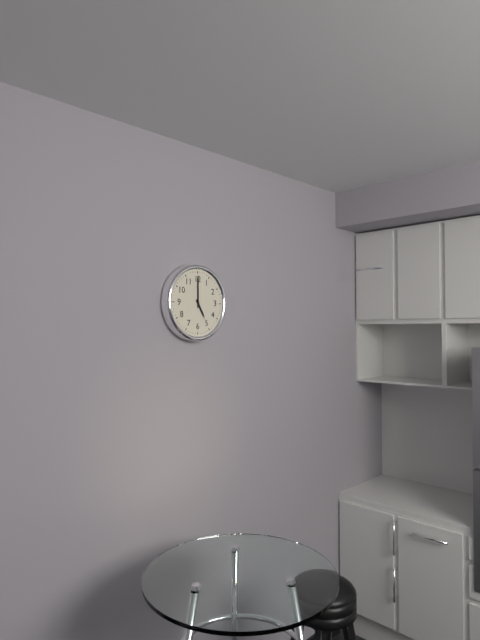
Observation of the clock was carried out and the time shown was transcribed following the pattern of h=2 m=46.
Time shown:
h=5 m=0
